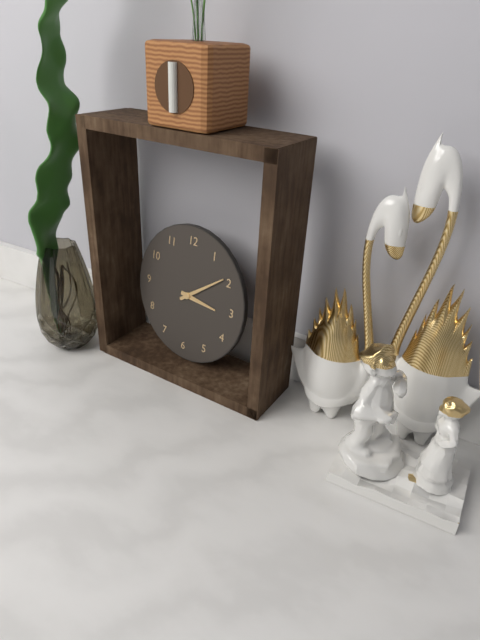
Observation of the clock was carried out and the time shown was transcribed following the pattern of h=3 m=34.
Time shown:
h=3 m=9
